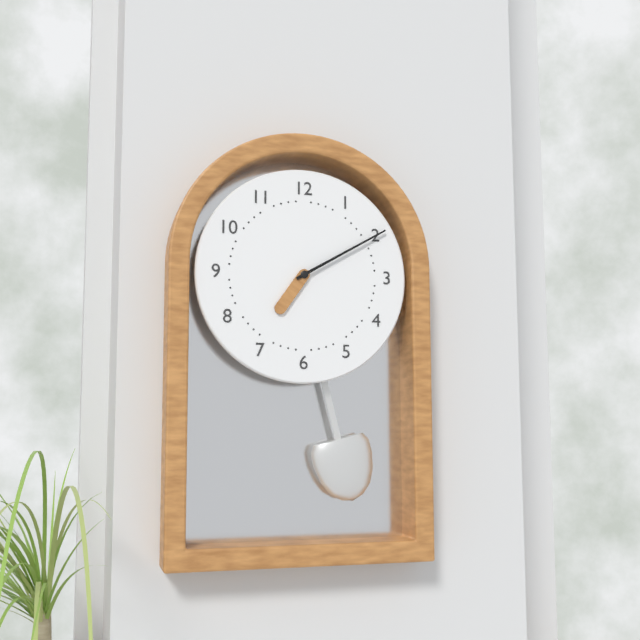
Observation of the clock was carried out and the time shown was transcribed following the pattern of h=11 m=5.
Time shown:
h=7 m=10
